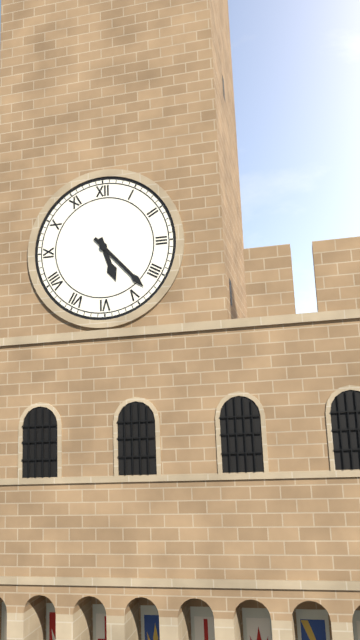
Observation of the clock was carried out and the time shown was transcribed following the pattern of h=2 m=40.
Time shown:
h=5 m=23
